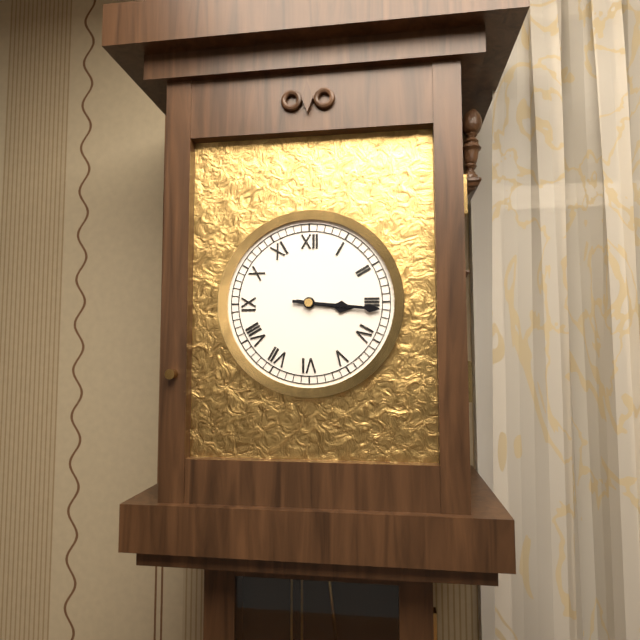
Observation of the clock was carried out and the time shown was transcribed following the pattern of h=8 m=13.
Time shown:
h=3 m=16
